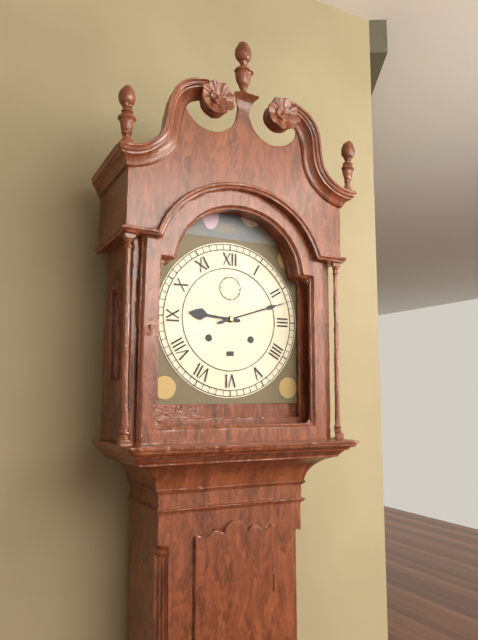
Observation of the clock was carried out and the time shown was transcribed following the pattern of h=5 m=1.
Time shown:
h=9 m=12
